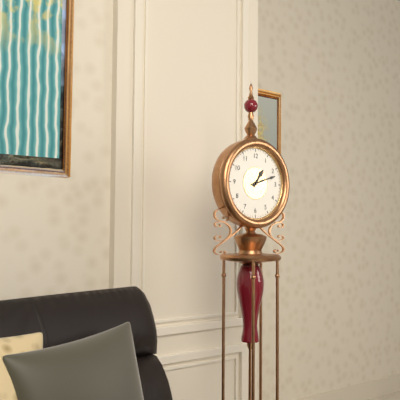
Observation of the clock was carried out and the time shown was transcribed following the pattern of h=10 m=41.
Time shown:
h=1 m=12
